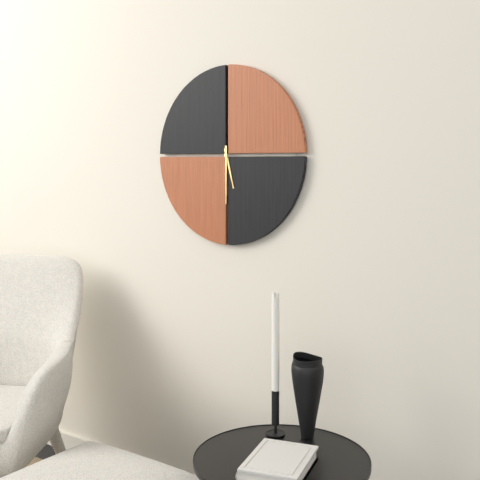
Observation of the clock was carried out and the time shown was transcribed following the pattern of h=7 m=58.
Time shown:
h=5 m=30
